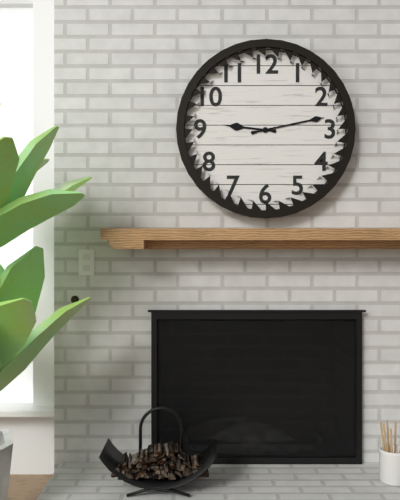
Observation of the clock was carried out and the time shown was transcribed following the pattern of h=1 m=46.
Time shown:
h=9 m=13
